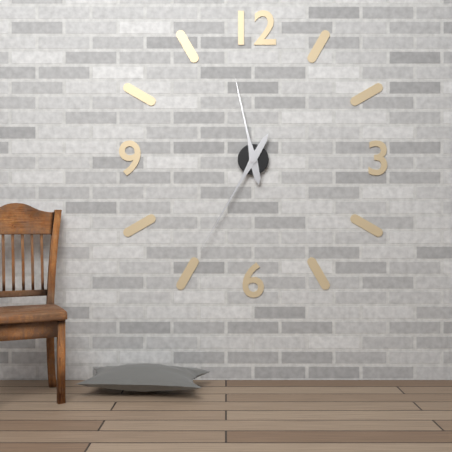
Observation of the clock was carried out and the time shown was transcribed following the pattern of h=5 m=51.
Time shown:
h=11 m=35
